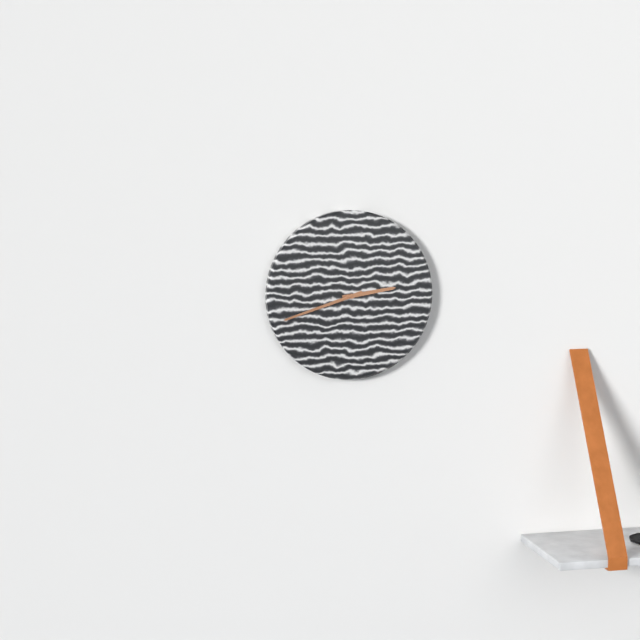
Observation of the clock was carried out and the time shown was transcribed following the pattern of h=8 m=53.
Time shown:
h=2 m=42
